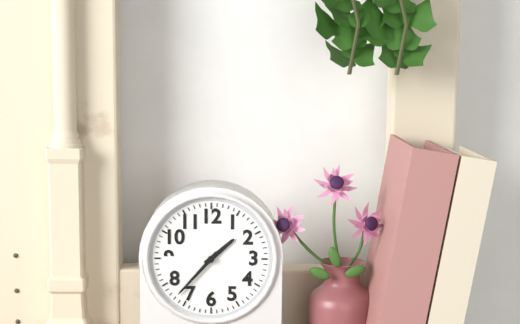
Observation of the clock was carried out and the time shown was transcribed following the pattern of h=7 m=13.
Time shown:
h=1 m=37
